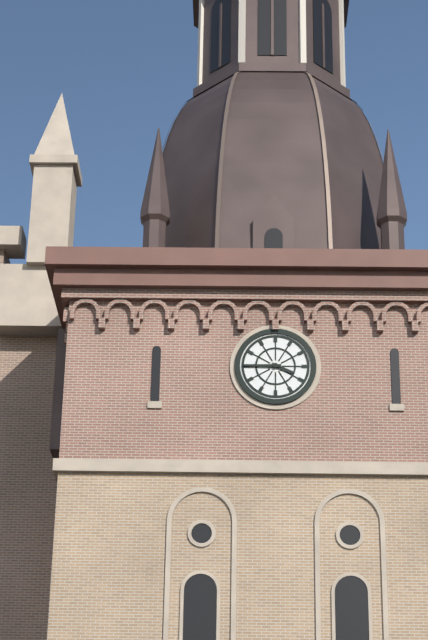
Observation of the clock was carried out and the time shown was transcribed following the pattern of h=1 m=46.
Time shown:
h=3 m=45
